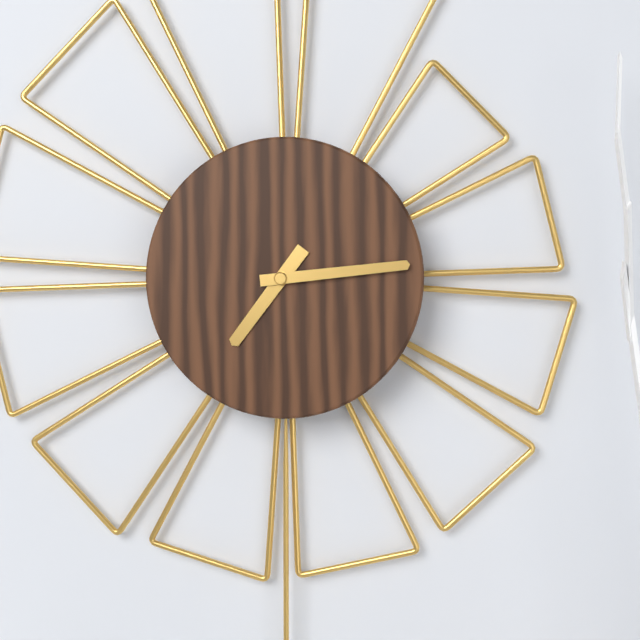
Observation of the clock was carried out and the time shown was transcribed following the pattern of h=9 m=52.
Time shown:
h=7 m=14
